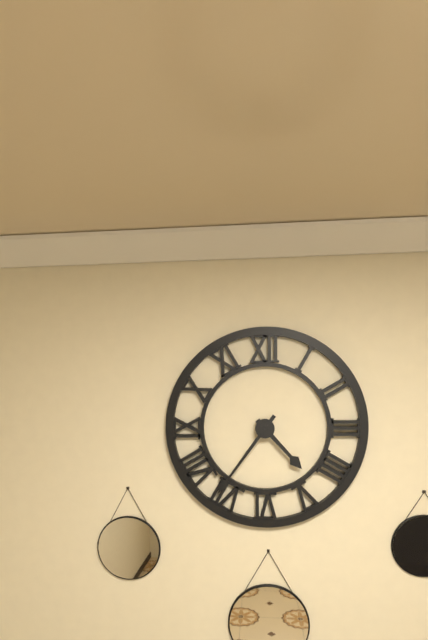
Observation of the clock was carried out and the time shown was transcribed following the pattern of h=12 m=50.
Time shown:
h=4 m=36
